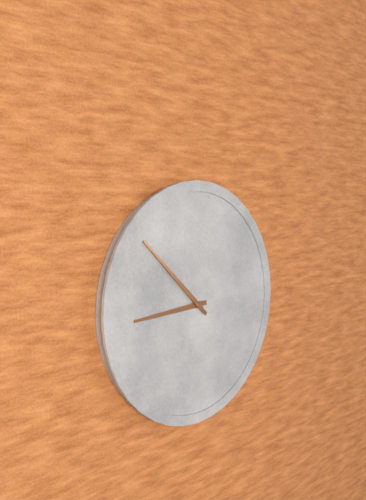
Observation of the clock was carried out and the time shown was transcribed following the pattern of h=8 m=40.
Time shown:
h=8 m=52
